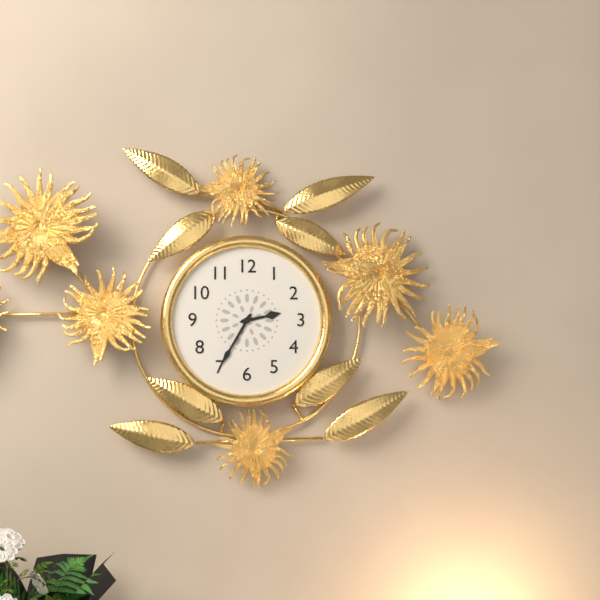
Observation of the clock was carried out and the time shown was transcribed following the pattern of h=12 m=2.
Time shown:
h=2 m=35
